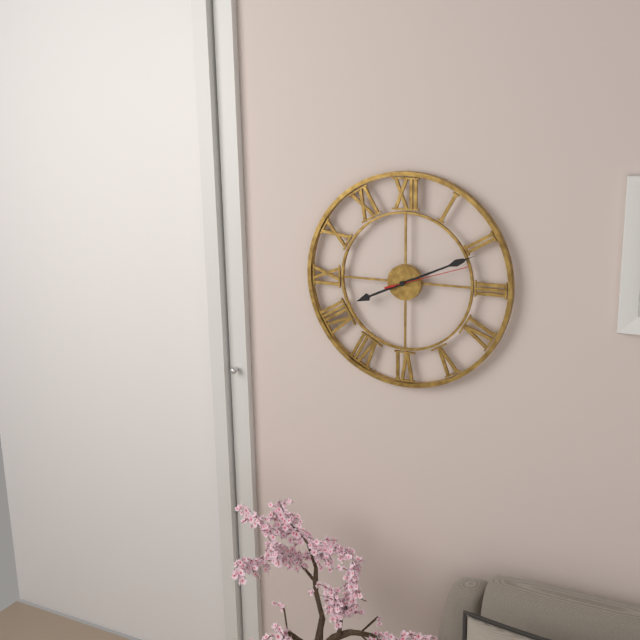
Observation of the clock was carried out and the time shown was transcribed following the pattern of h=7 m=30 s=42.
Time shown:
h=8 m=11 s=12
